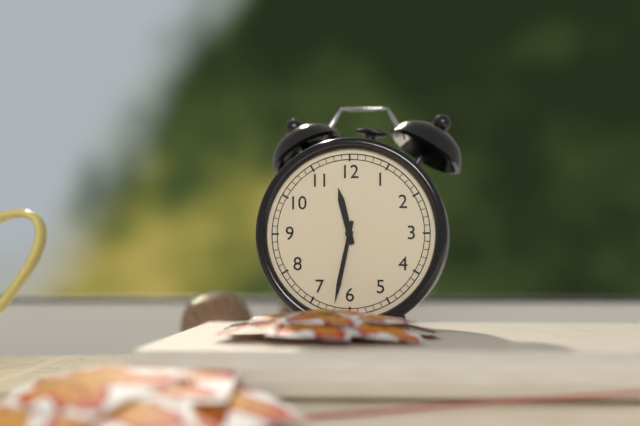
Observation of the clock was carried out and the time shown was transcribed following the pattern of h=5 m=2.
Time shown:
h=11 m=32
